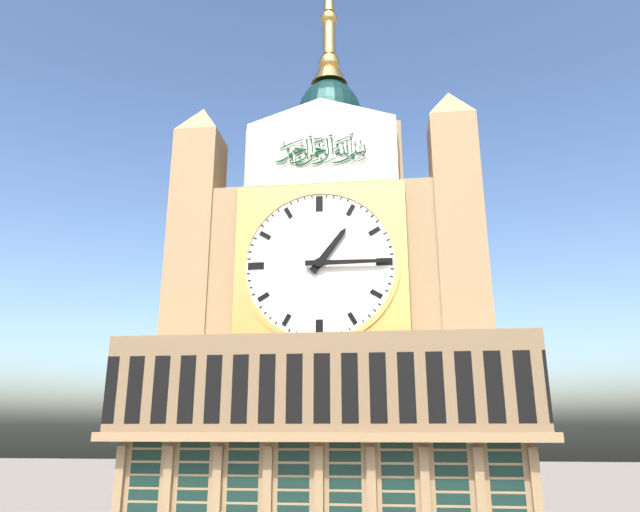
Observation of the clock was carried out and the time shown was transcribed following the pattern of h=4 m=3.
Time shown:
h=1 m=15
